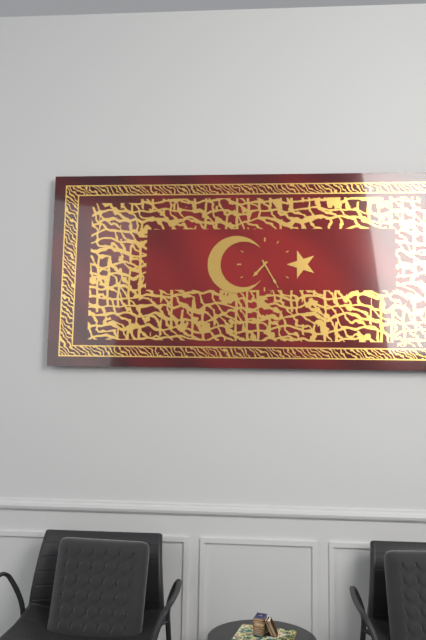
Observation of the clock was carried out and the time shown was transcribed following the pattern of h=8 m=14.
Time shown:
h=7 m=25
